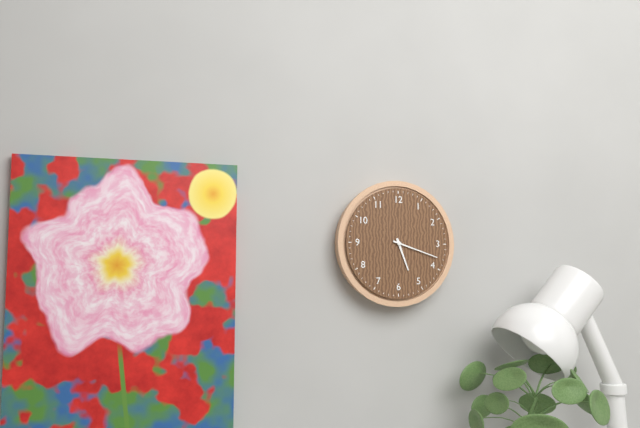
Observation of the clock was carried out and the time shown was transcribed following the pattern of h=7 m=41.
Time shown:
h=5 m=18
